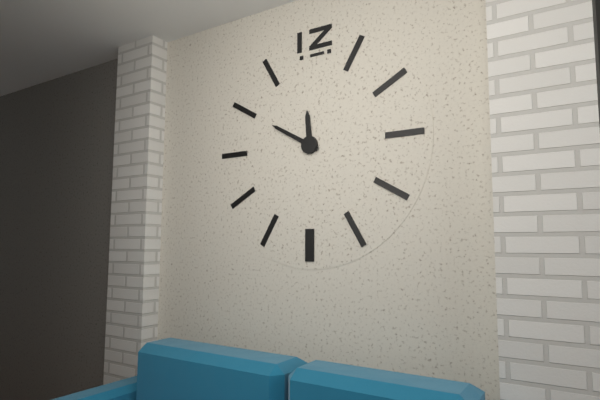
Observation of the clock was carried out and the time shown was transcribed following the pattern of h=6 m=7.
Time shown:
h=11 m=50
